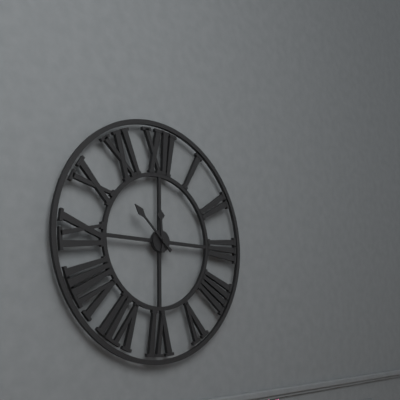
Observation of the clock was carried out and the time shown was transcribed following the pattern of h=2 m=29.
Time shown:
h=11 m=52
